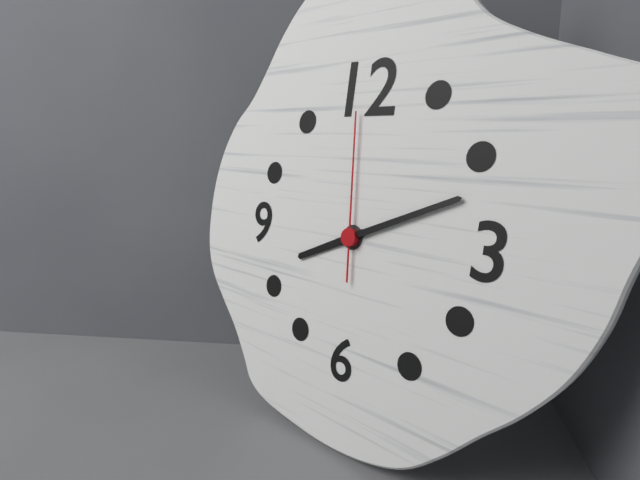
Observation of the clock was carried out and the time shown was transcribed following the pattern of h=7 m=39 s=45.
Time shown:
h=8 m=11 s=59
